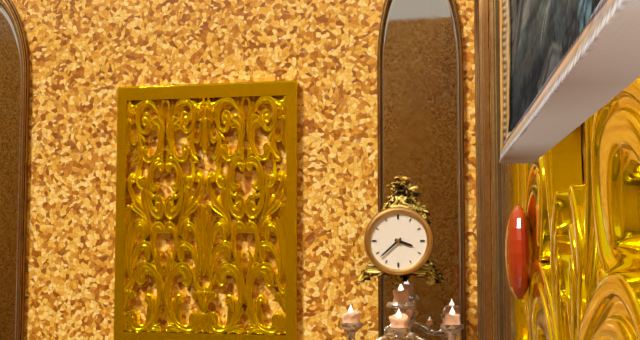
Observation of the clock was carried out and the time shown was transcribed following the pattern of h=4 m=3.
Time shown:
h=3 m=38
